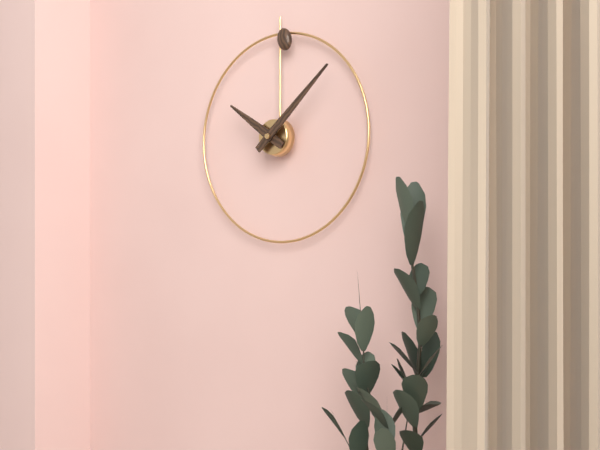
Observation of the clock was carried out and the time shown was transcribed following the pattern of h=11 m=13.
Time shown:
h=10 m=8
